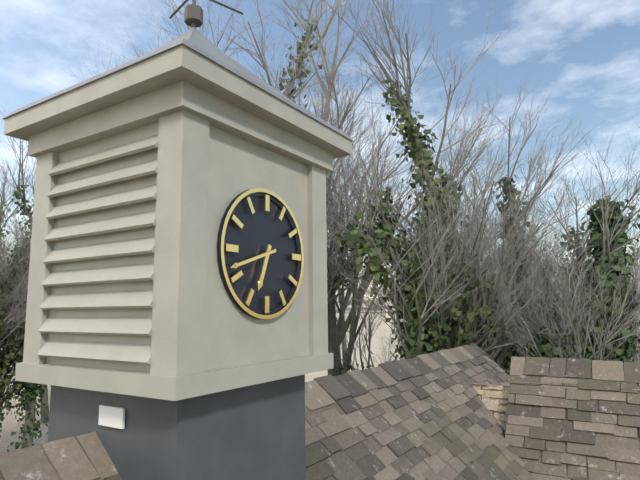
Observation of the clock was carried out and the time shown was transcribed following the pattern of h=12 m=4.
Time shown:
h=6 m=42
